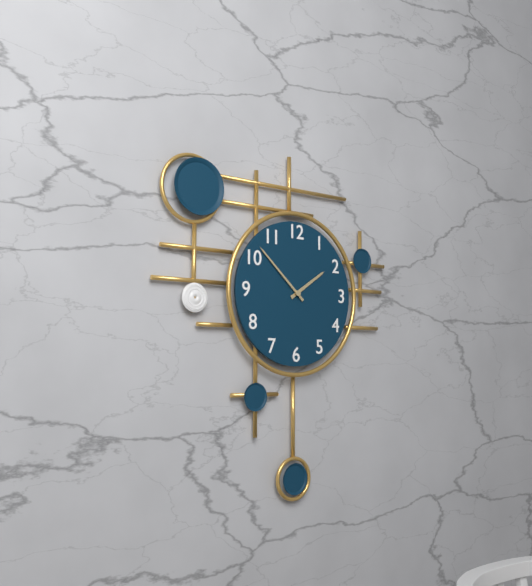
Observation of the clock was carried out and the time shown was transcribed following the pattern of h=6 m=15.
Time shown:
h=1 m=52
